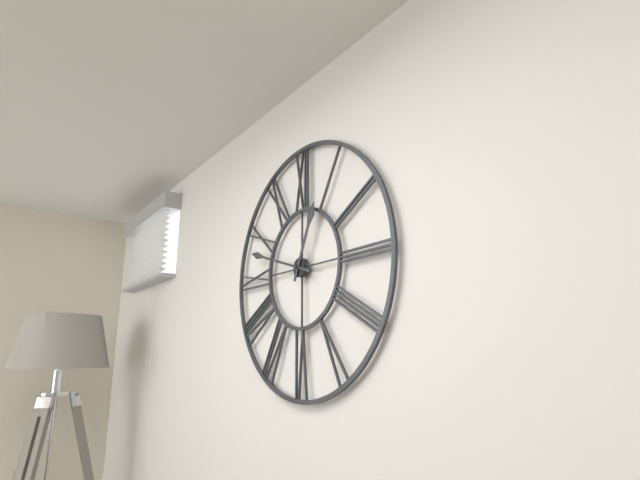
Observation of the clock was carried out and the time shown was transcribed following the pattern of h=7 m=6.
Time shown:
h=12 m=48
